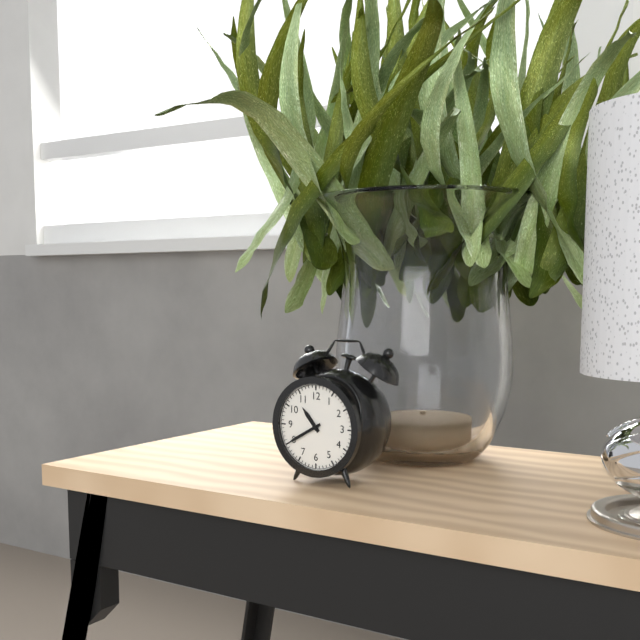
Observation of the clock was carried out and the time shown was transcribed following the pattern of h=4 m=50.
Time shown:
h=10 m=40
